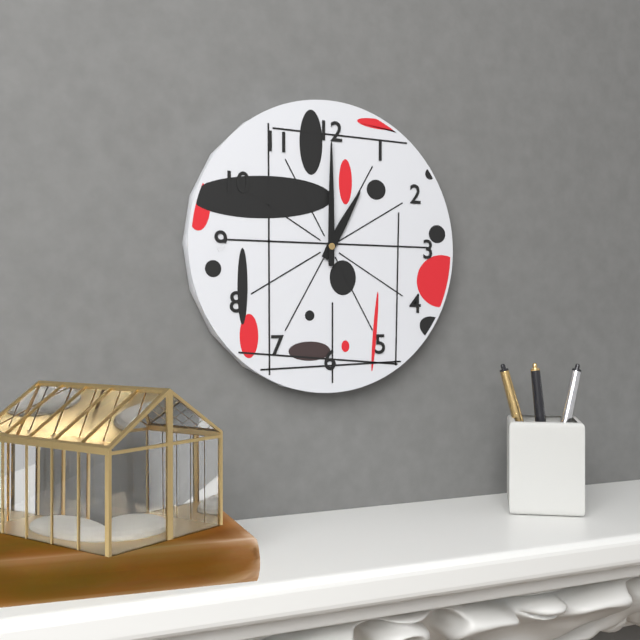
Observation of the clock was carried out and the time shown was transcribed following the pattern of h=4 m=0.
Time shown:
h=1 m=0
